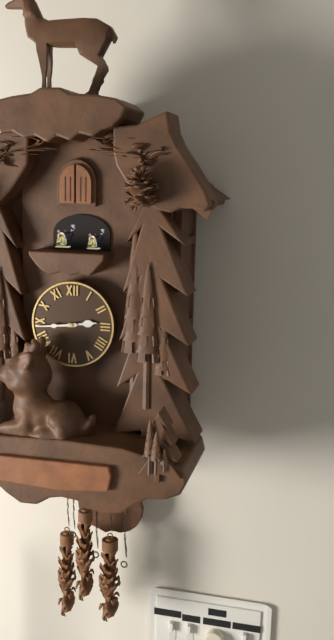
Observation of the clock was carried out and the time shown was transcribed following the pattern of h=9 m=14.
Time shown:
h=2 m=44
